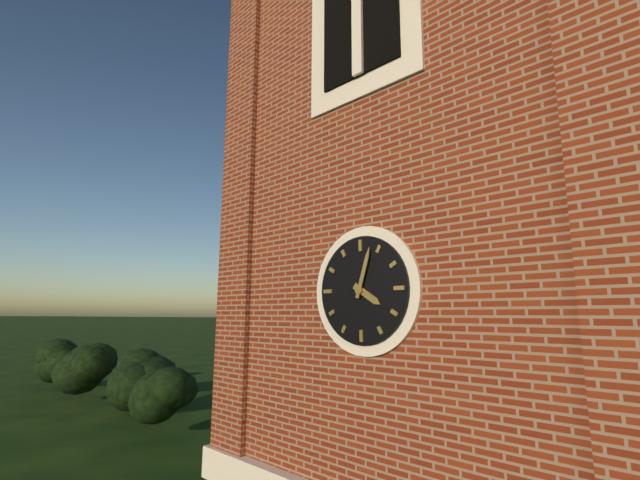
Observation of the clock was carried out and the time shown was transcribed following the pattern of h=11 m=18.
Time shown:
h=4 m=3
